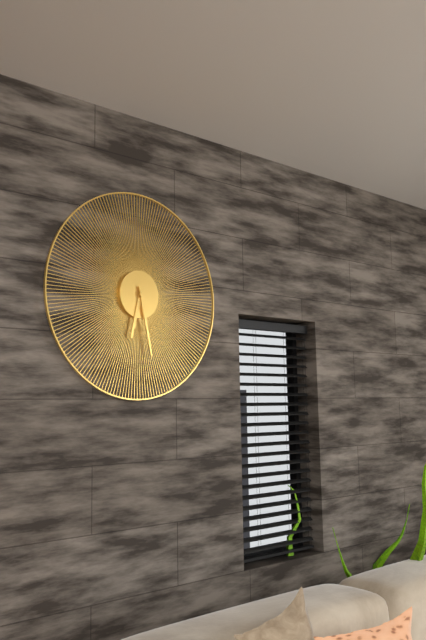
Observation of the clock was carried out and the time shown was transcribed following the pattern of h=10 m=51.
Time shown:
h=6 m=28
